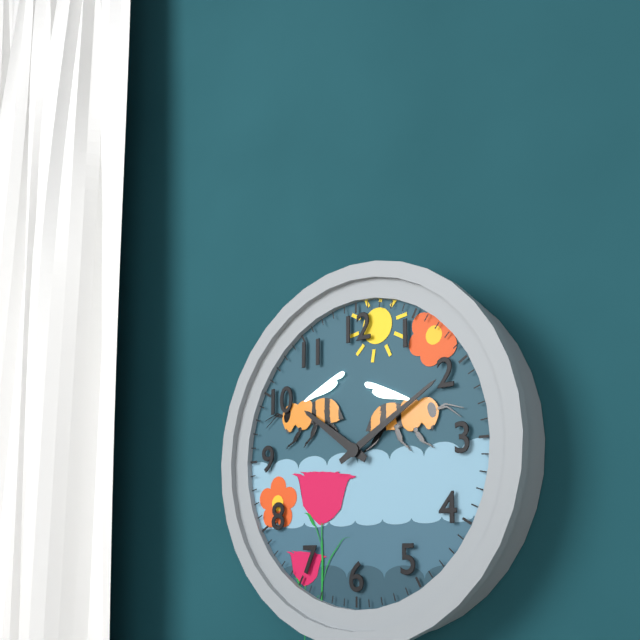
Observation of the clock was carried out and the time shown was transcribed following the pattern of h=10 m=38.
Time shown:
h=10 m=10
